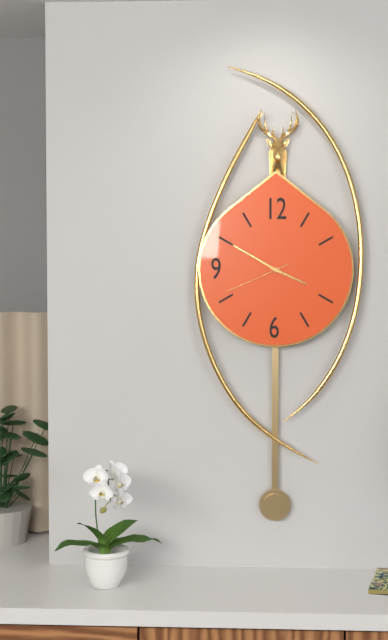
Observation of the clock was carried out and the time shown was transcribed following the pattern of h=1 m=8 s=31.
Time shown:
h=3 m=50 s=41
